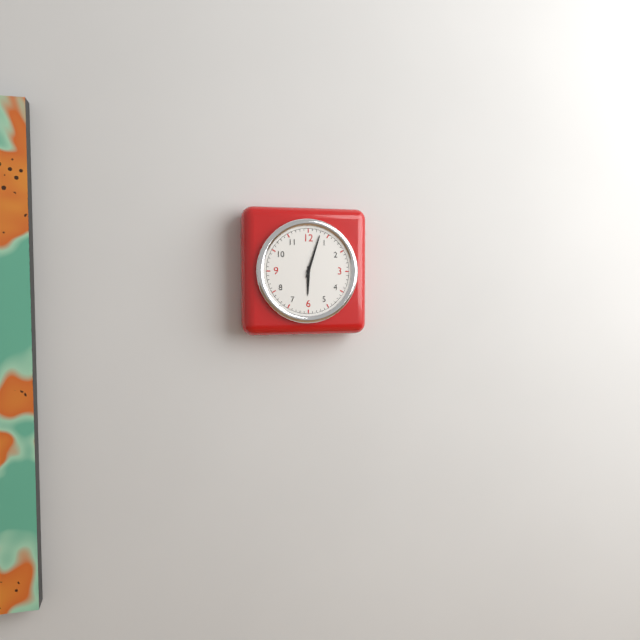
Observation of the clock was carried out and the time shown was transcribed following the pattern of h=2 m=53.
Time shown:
h=6 m=3
